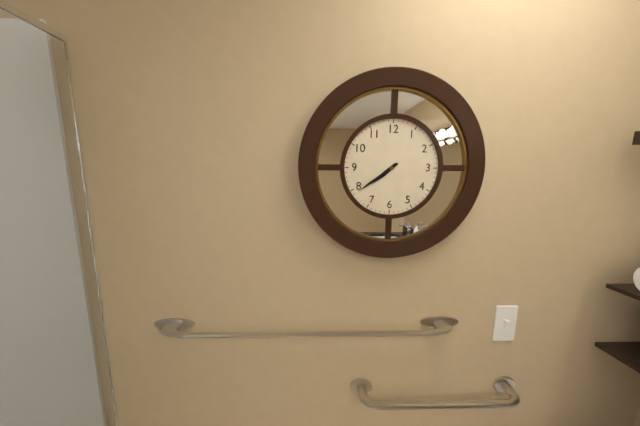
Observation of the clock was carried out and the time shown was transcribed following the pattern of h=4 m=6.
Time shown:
h=7 m=39
